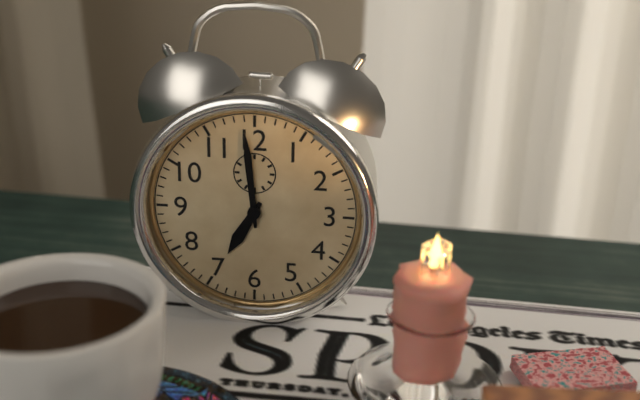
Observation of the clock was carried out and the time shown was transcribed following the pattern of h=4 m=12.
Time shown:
h=6 m=59
